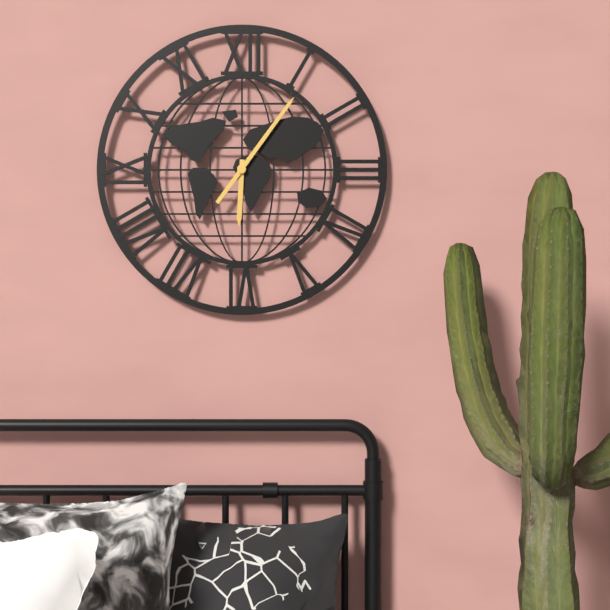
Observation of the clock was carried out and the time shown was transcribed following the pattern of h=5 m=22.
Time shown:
h=6 m=6
